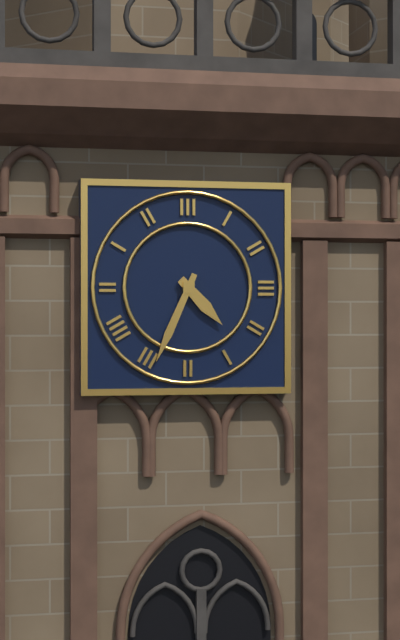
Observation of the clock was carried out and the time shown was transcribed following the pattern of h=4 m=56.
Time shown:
h=4 m=34
